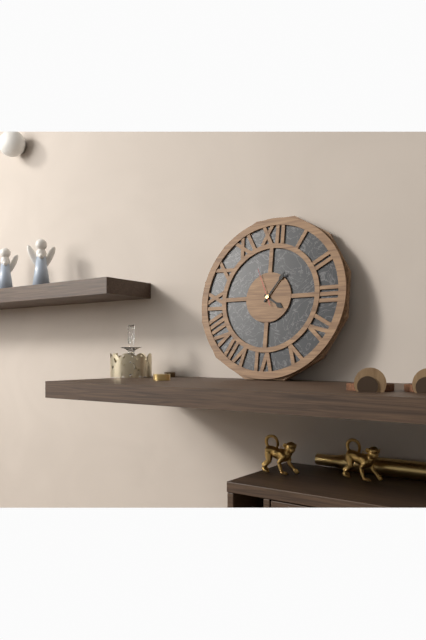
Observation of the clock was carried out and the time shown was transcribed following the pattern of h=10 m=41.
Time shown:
h=4 m=6
